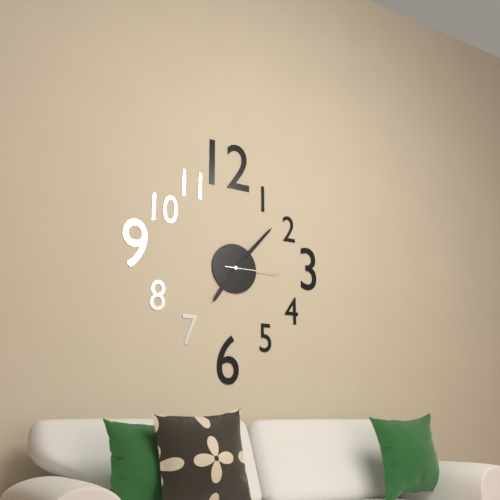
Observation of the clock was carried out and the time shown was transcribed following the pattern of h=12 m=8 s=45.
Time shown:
h=7 m=7 s=15
